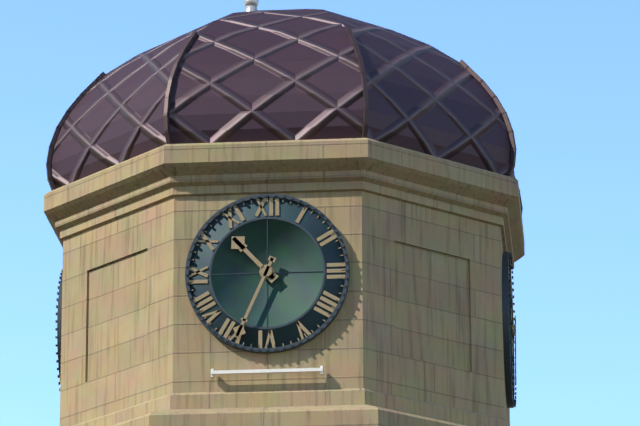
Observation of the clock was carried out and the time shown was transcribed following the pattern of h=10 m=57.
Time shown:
h=10 m=34
